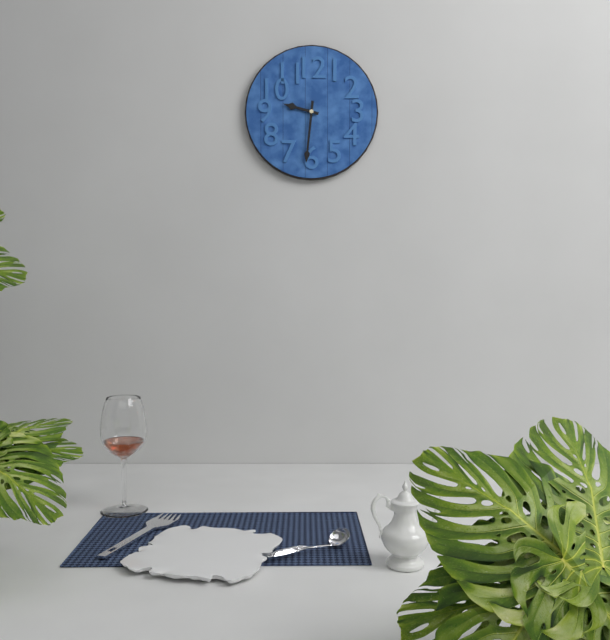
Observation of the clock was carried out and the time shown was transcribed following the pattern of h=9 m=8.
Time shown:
h=9 m=31
